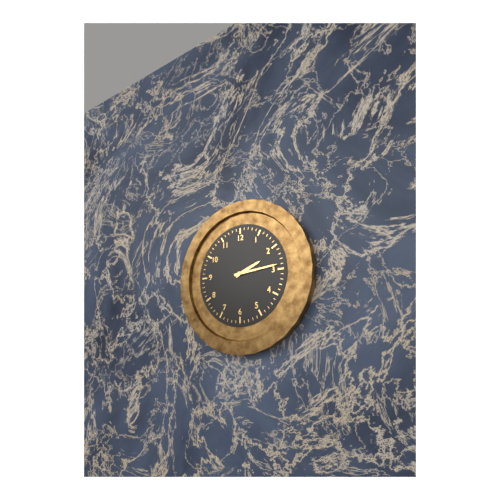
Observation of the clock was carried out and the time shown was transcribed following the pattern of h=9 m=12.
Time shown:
h=2 m=14
